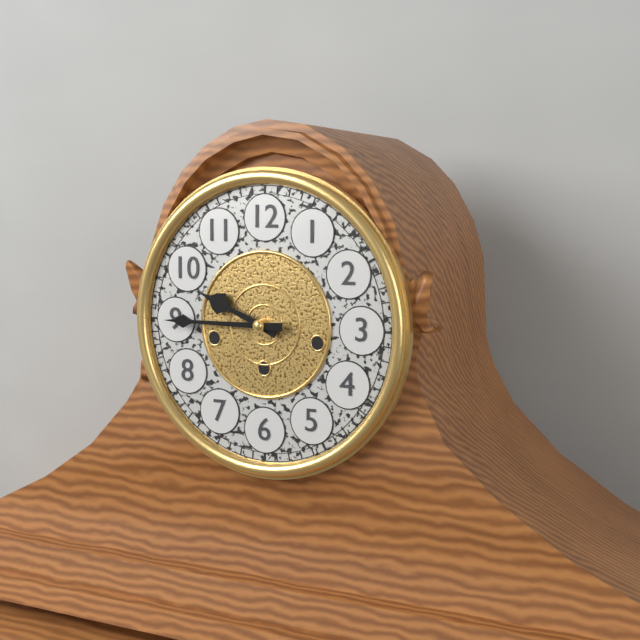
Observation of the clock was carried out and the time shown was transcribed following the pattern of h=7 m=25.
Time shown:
h=9 m=45
